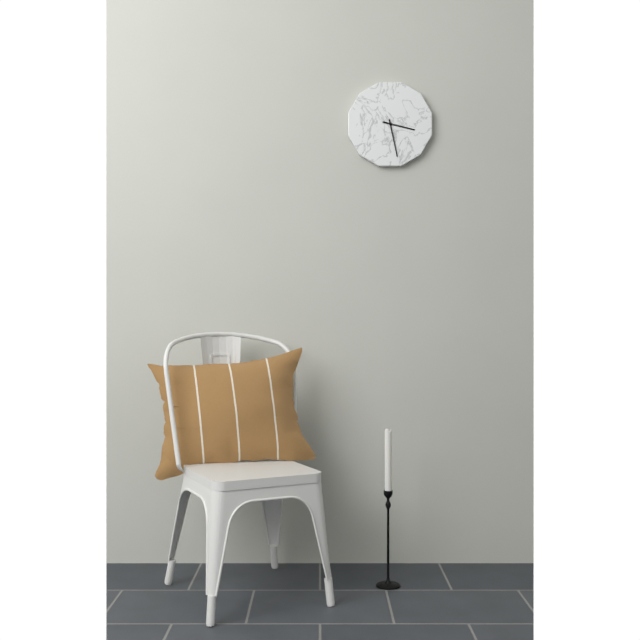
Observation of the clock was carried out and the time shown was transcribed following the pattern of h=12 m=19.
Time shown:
h=3 m=28
